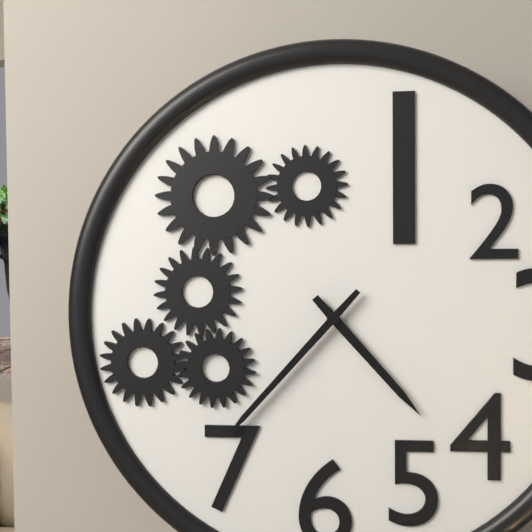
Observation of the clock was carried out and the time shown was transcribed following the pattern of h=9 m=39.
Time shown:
h=4 m=37
